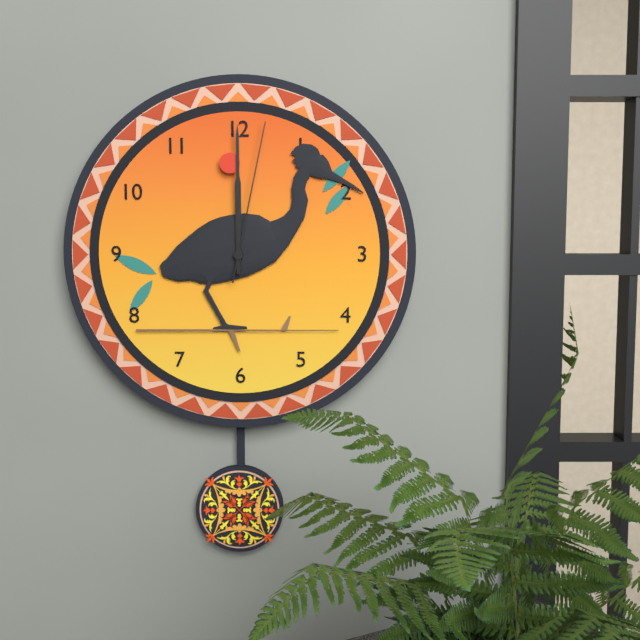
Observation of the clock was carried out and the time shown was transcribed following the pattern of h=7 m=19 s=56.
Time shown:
h=12 m=0 s=2
